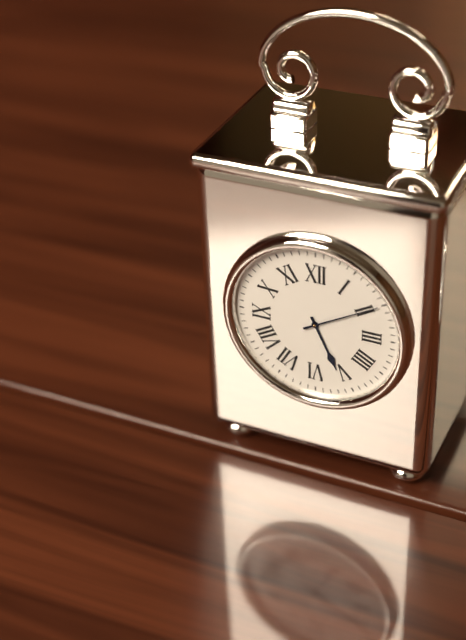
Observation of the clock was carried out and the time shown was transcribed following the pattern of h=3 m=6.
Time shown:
h=5 m=10
